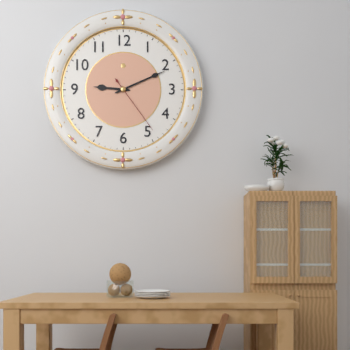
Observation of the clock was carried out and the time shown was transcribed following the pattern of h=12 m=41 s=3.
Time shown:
h=9 m=11 s=24
